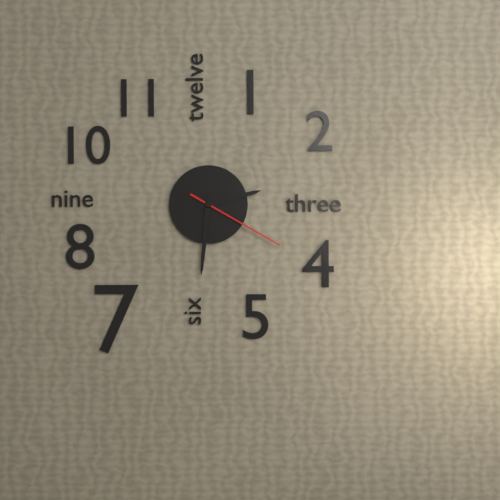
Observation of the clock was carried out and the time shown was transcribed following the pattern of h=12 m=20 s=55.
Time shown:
h=2 m=31 s=20
